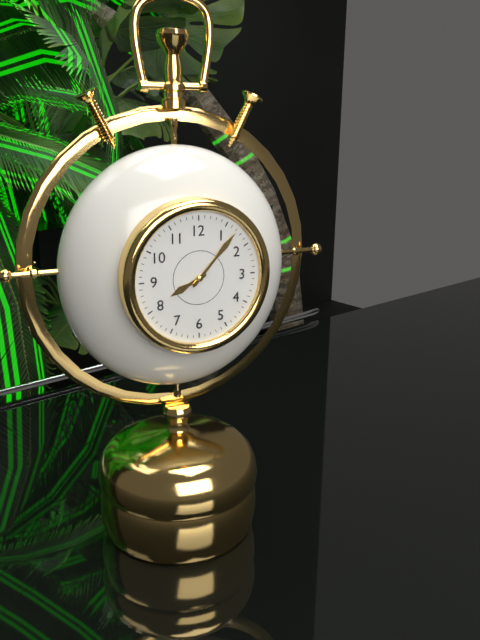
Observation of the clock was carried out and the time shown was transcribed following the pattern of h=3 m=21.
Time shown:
h=8 m=7
